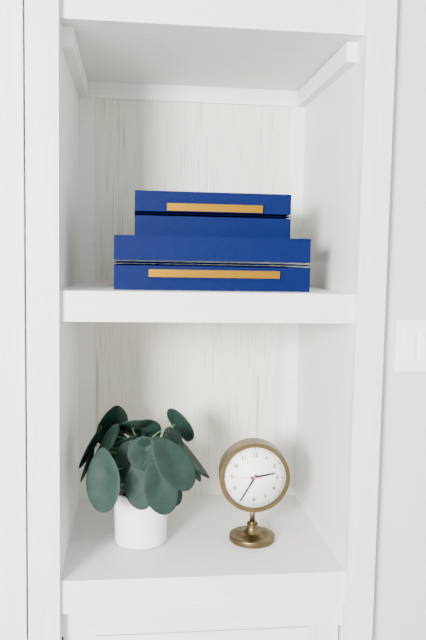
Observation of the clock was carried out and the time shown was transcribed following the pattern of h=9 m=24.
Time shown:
h=2 m=35
